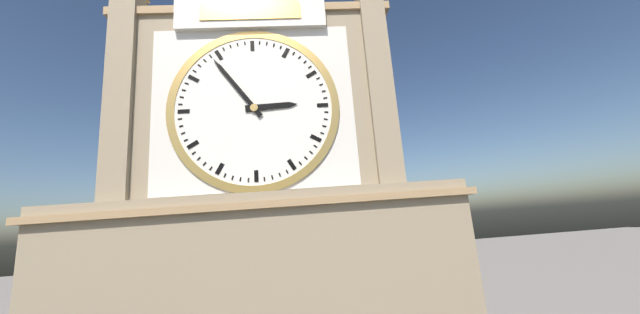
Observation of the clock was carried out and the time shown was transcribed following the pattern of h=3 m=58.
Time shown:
h=2 m=54
